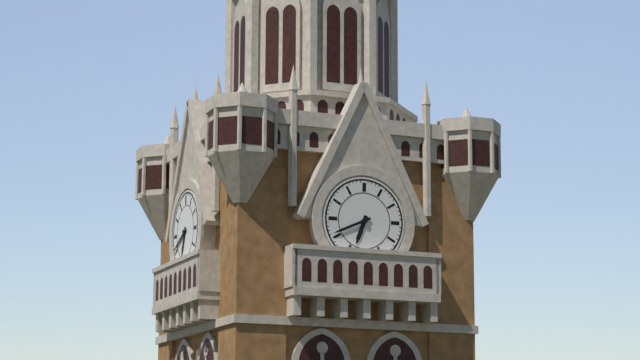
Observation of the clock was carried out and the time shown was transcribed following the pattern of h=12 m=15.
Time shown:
h=6 m=41
